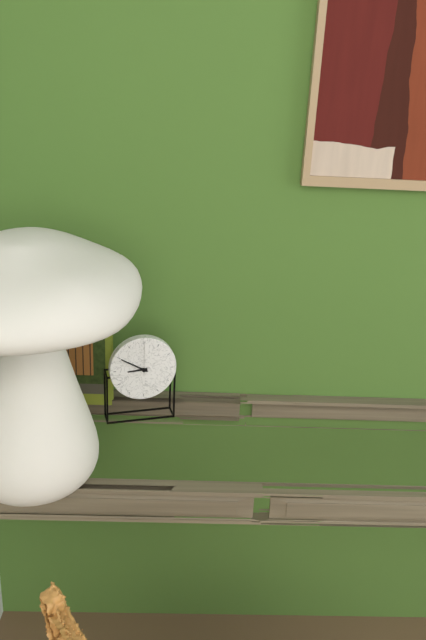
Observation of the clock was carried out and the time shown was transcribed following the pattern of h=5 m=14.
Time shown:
h=8 m=50
